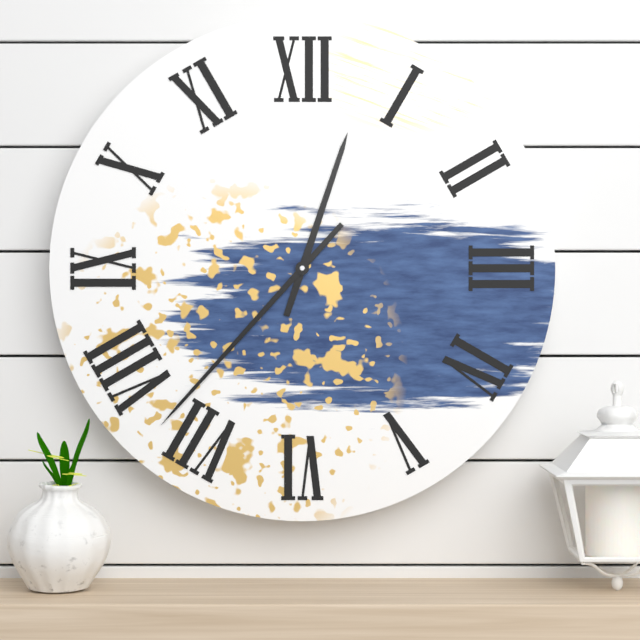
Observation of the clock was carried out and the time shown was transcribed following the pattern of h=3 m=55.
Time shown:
h=12 m=37
